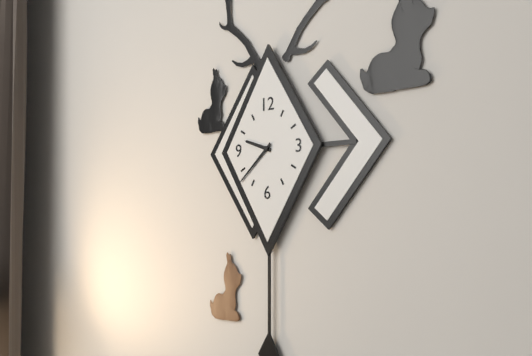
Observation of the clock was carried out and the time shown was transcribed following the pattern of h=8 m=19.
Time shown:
h=9 m=38
